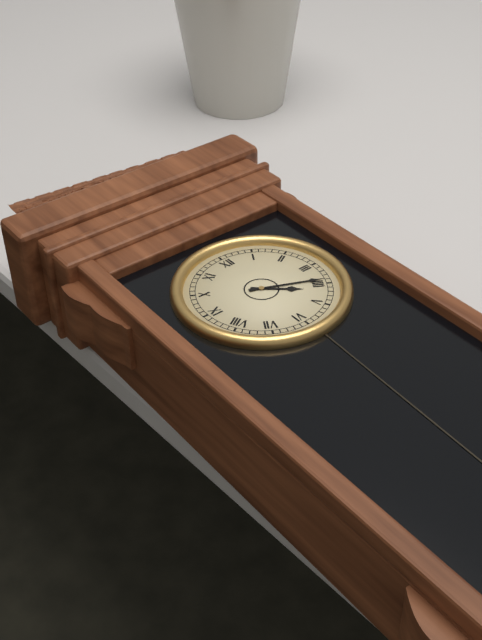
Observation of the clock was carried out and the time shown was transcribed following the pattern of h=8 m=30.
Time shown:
h=4 m=19
